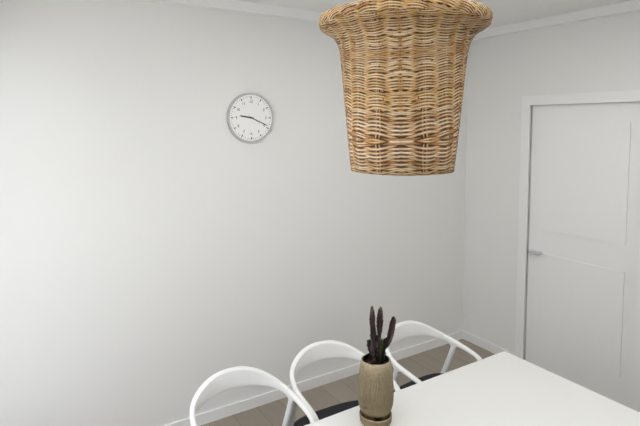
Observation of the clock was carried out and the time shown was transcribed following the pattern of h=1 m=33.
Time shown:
h=9 m=19
